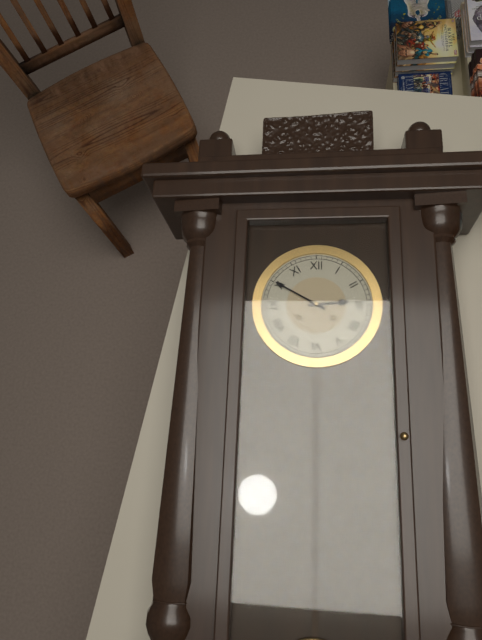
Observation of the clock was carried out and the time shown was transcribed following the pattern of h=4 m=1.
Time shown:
h=2 m=50
